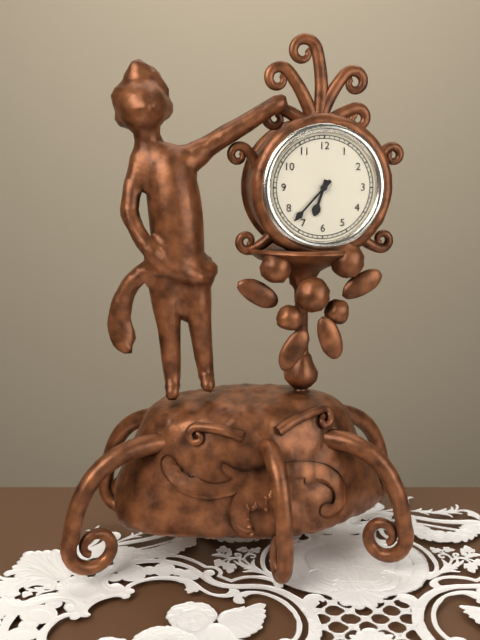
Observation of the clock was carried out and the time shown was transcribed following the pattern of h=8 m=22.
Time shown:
h=6 m=37
